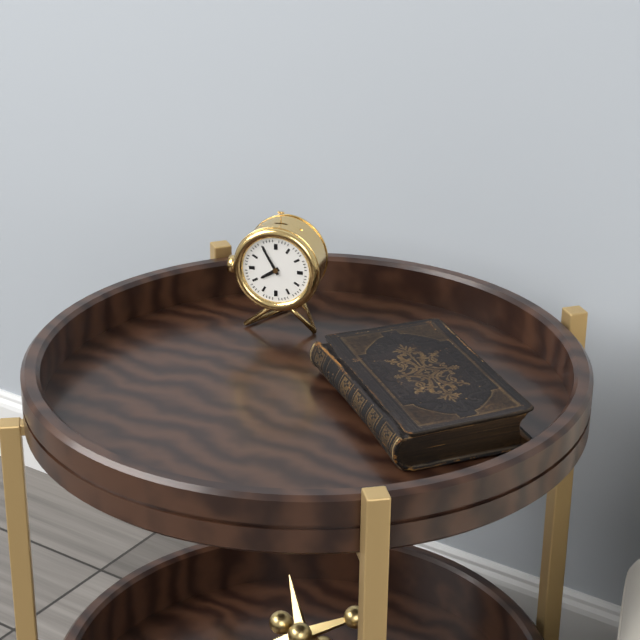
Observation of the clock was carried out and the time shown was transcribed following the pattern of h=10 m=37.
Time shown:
h=7 m=55
